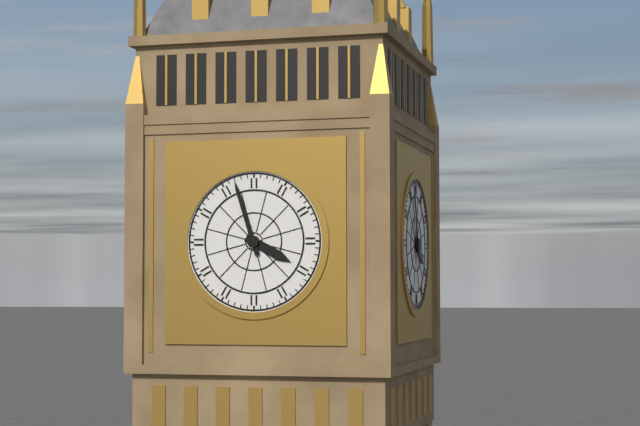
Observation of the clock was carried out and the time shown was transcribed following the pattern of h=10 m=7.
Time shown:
h=3 m=57
